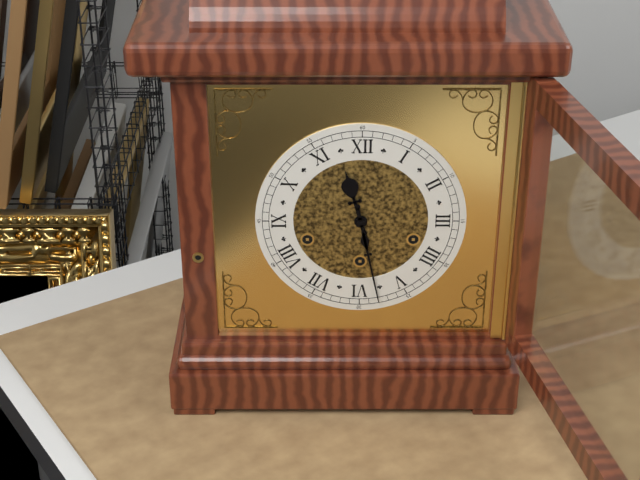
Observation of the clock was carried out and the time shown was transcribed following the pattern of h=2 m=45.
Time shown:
h=11 m=28
